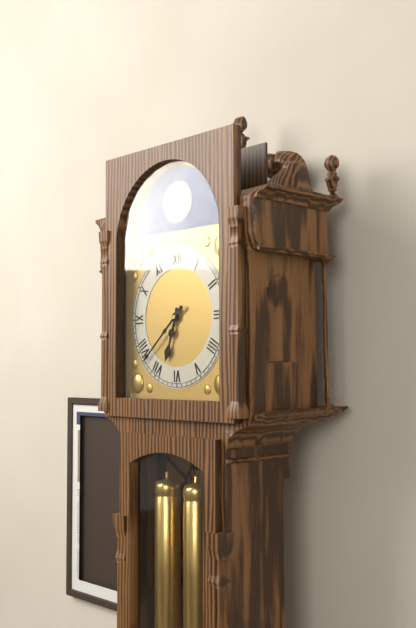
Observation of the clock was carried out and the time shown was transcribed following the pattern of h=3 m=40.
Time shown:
h=6 m=38
